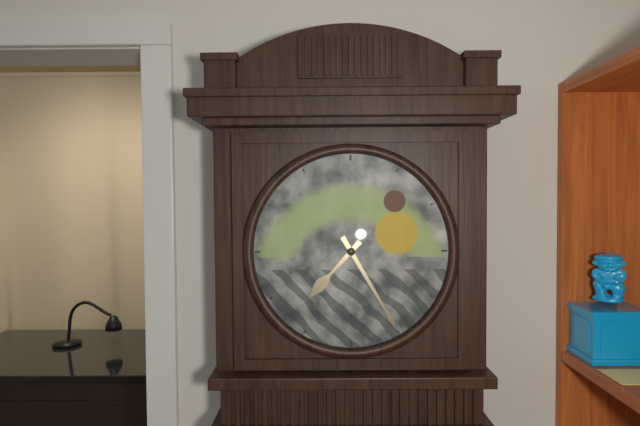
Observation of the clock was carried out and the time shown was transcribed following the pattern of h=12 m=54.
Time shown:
h=7 m=25
